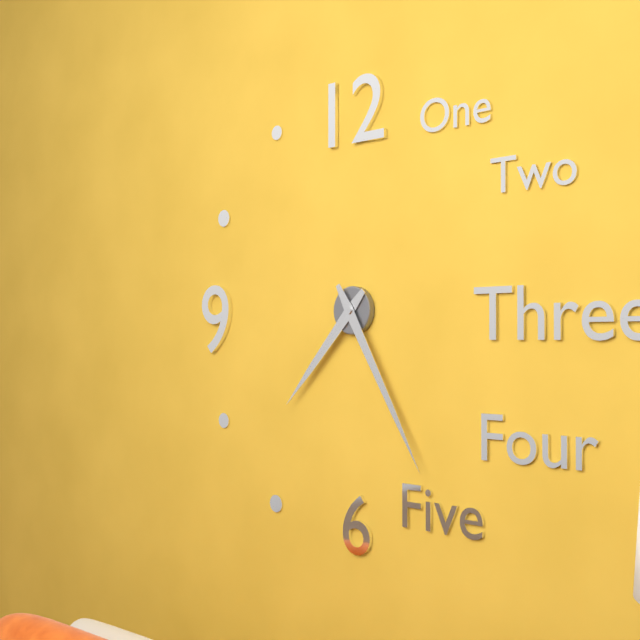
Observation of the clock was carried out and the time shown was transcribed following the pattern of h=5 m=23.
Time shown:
h=7 m=25
